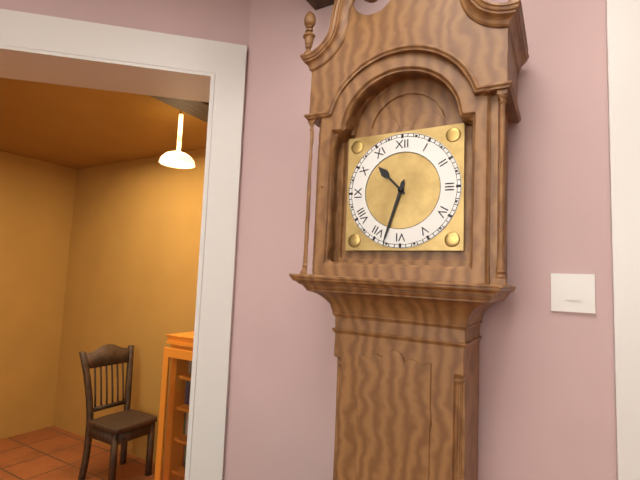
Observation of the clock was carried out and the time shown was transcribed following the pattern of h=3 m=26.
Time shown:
h=10 m=33
